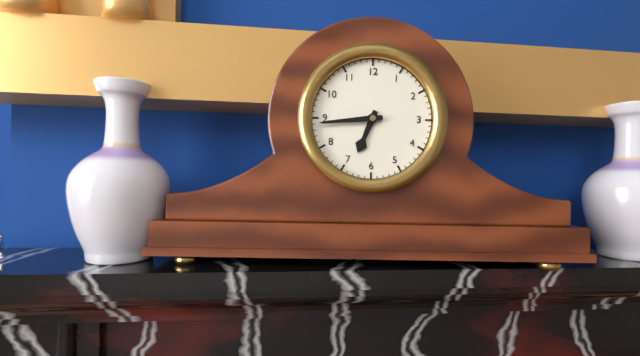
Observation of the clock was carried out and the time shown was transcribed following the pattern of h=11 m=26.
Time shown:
h=6 m=44
